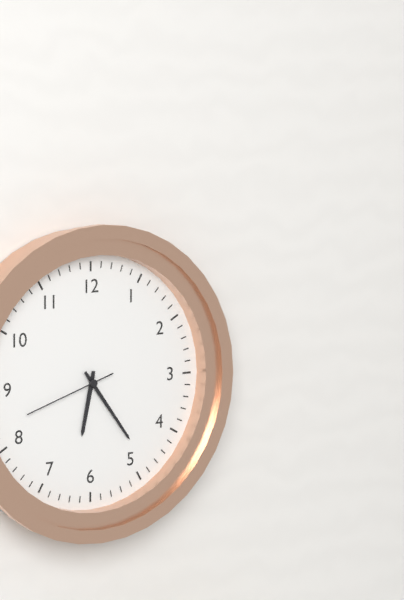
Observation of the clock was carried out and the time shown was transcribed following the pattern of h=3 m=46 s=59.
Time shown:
h=6 m=24 s=42
